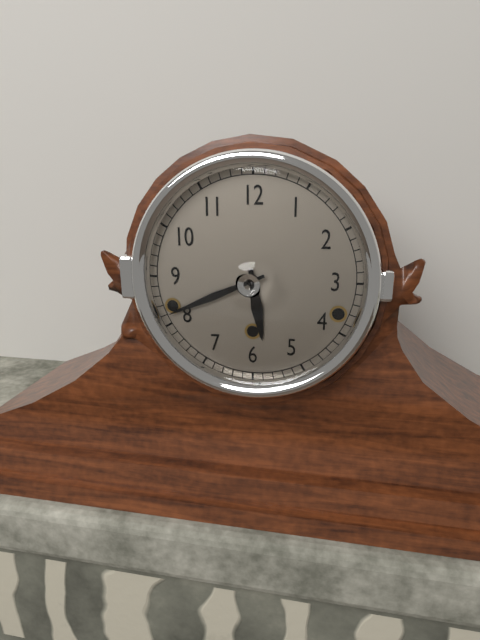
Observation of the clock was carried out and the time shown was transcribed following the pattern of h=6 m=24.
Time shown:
h=5 m=41
